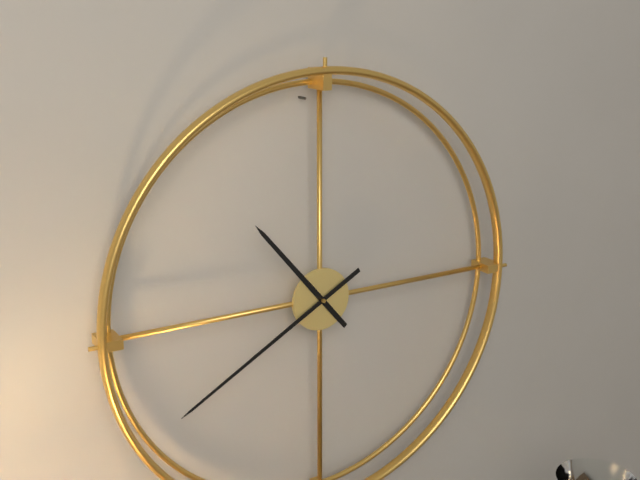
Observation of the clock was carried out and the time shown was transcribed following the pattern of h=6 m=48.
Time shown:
h=10 m=40
